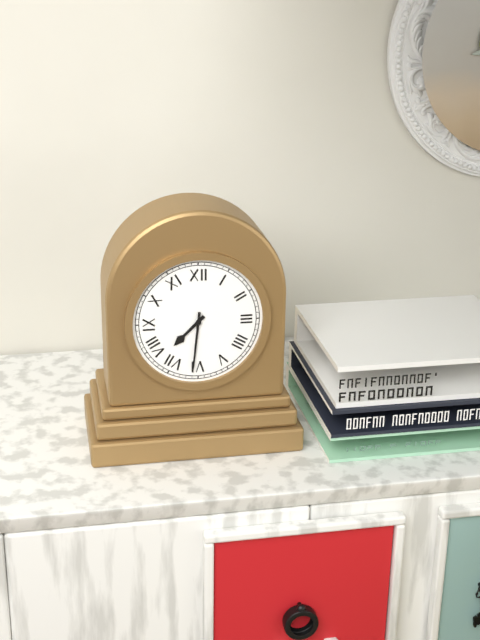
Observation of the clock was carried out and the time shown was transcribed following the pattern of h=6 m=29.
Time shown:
h=7 m=31
